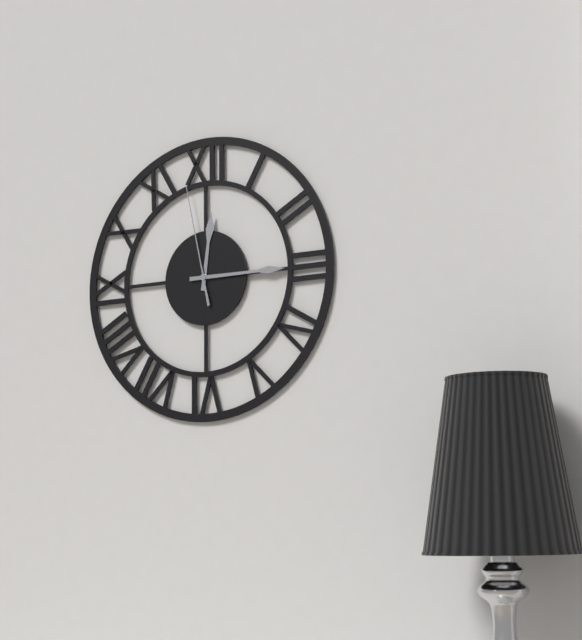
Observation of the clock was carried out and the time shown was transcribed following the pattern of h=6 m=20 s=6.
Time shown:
h=12 m=15 s=58
